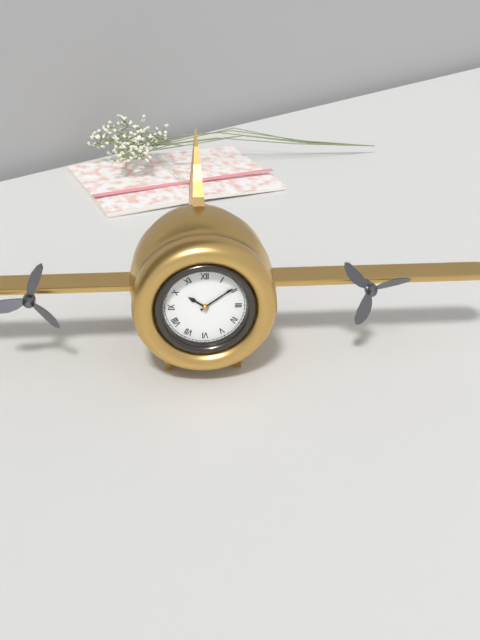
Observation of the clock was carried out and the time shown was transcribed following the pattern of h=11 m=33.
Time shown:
h=10 m=9
